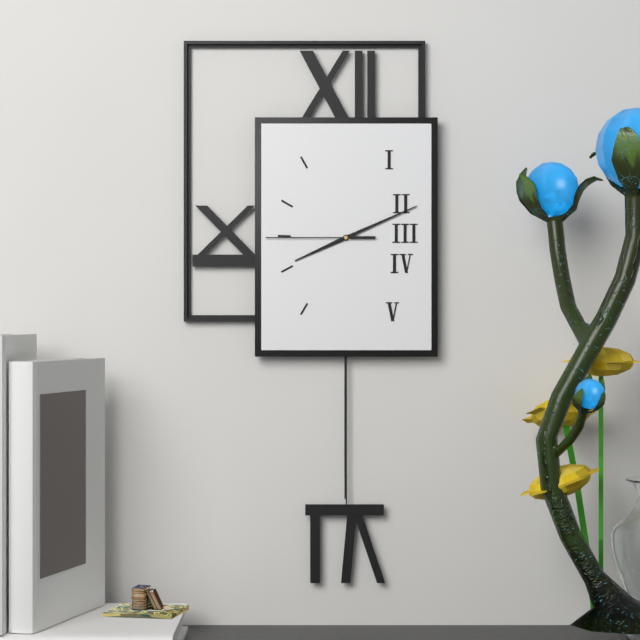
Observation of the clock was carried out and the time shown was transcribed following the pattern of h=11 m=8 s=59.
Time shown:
h=8 m=11 s=45
